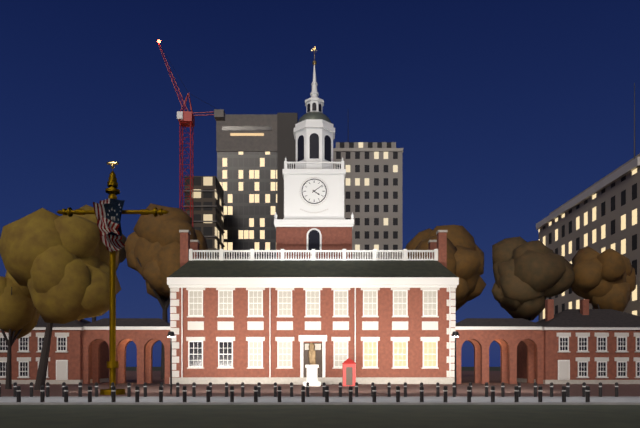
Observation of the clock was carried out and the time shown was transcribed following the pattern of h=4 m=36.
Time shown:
h=4 m=9
